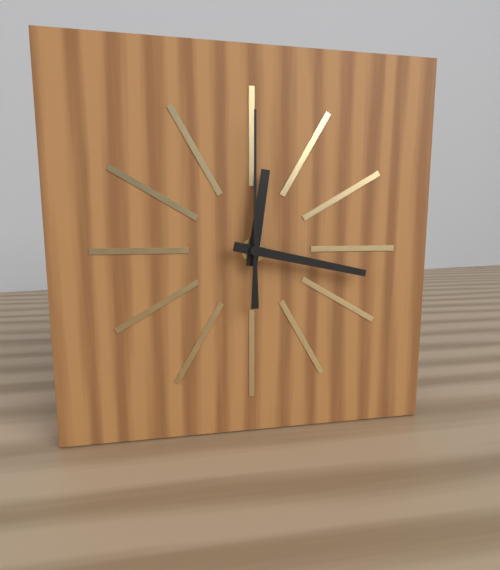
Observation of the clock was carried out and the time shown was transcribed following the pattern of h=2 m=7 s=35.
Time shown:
h=12 m=17 s=0
